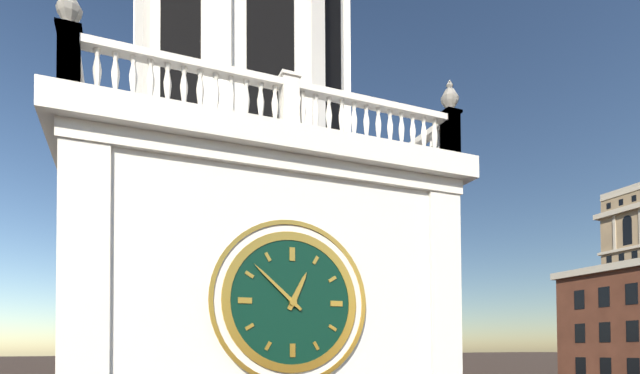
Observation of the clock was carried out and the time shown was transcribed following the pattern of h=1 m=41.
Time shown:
h=12 m=52
